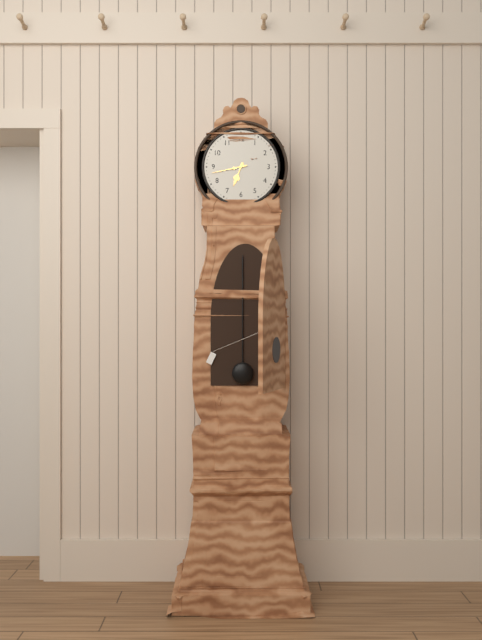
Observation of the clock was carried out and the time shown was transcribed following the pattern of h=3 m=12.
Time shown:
h=6 m=43
